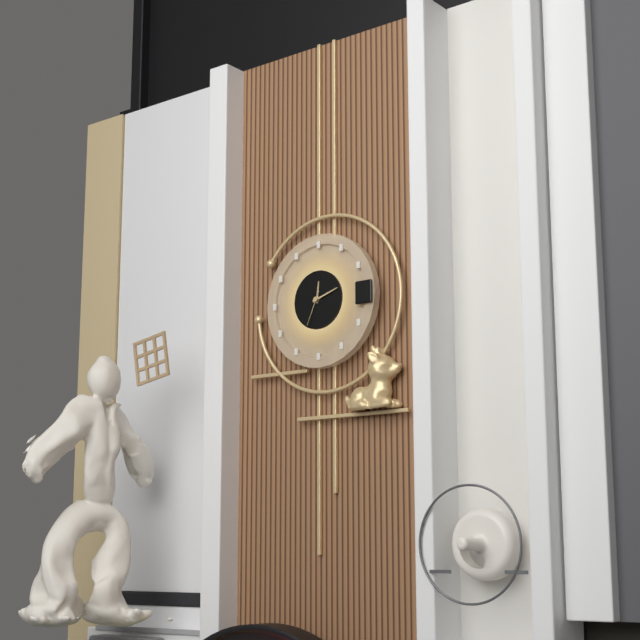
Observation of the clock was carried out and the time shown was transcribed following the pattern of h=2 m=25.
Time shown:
h=12 m=12
